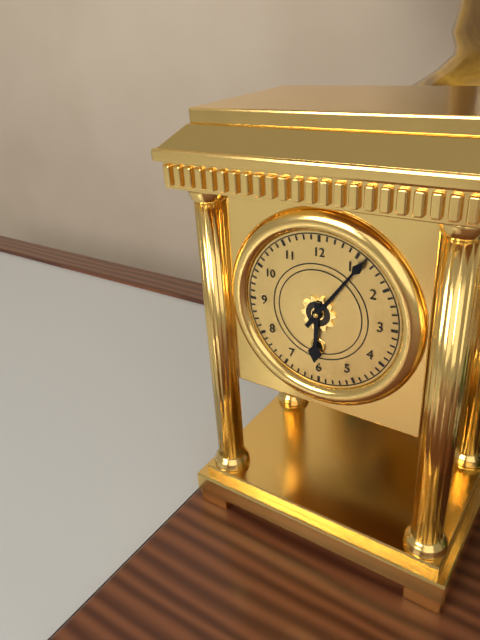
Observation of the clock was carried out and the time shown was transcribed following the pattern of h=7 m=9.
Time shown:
h=6 m=6
